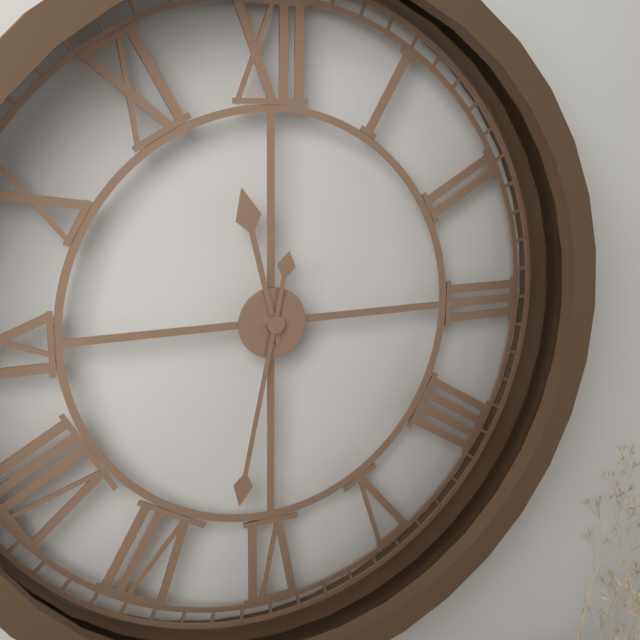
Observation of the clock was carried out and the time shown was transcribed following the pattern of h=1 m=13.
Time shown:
h=11 m=32
